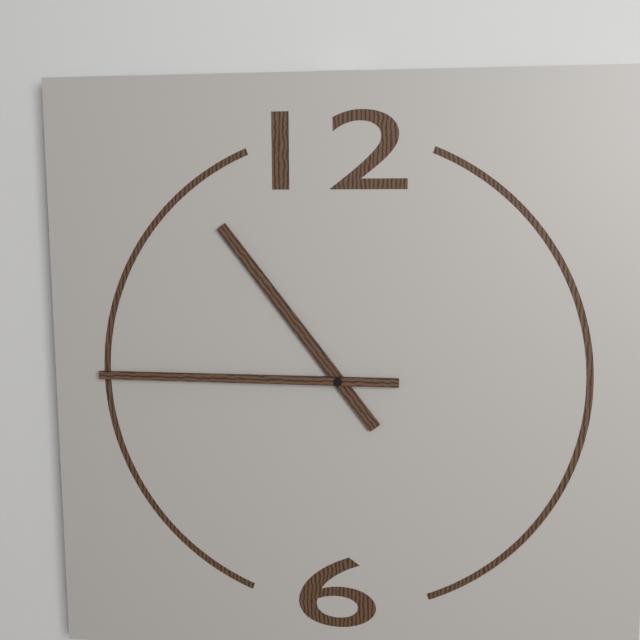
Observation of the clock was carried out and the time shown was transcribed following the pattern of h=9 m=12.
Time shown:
h=10 m=45
